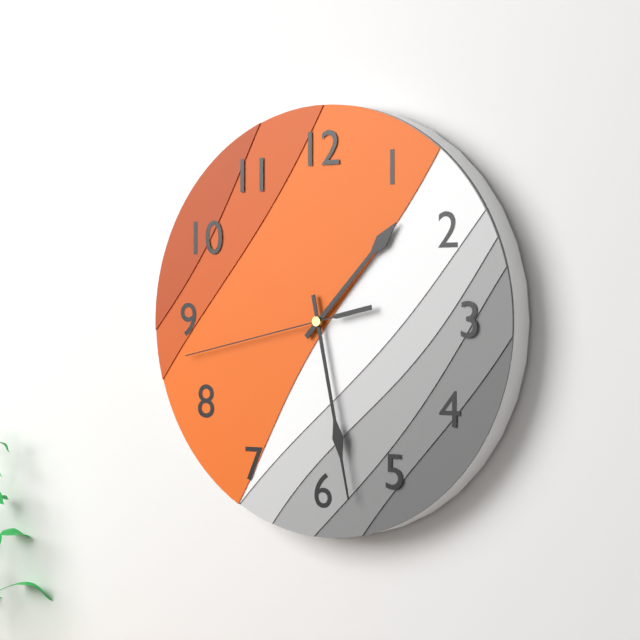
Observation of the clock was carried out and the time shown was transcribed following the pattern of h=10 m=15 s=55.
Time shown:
h=1 m=28 s=43
